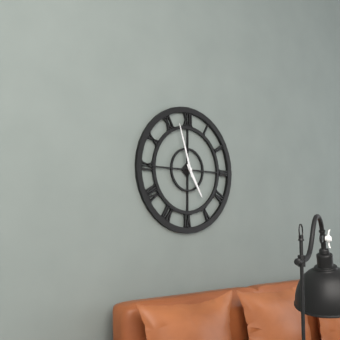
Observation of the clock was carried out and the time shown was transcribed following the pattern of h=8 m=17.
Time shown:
h=4 m=57
